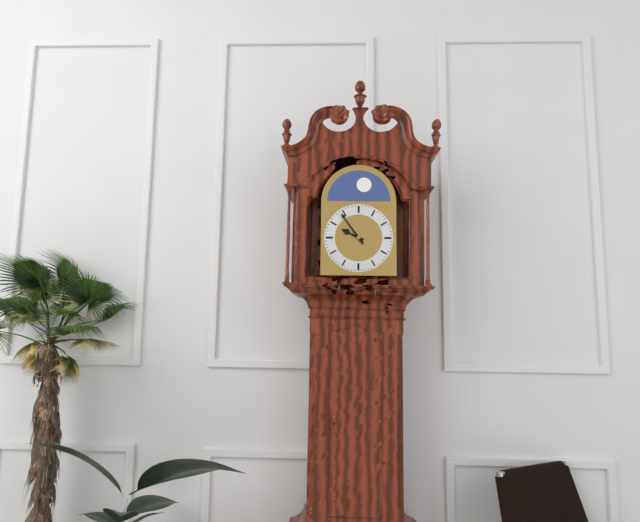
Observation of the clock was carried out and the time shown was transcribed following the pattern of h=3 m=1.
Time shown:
h=9 m=54
